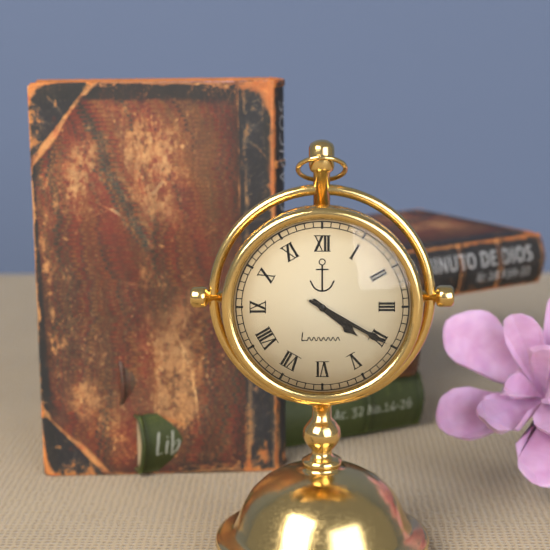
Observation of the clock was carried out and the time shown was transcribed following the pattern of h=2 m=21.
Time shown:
h=4 m=20
